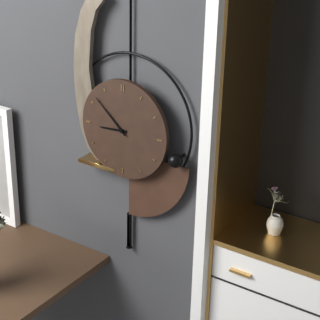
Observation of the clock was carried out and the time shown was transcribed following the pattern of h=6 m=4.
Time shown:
h=8 m=52
